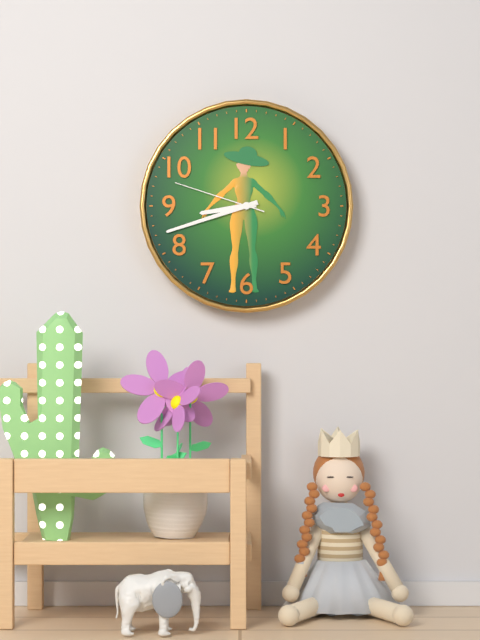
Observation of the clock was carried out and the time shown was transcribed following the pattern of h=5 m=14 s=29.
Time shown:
h=8 m=42 s=48
